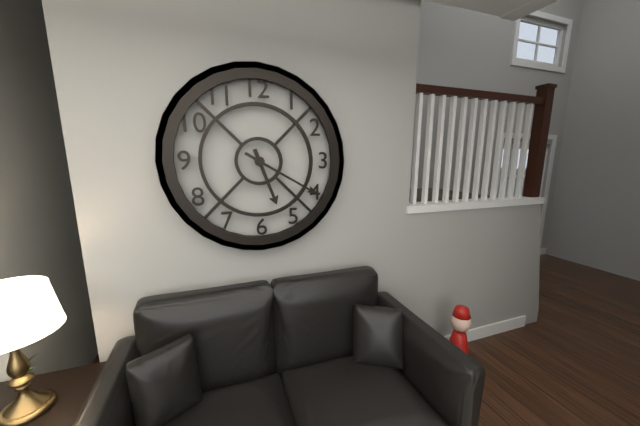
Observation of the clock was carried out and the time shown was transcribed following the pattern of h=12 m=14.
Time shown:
h=5 m=20
